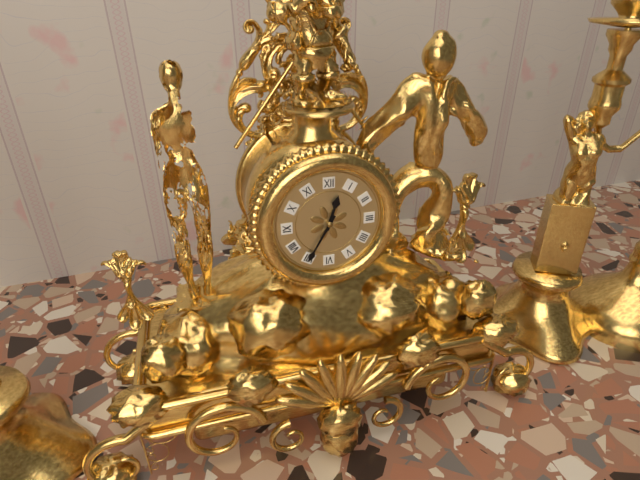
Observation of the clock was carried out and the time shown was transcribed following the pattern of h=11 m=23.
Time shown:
h=12 m=35
